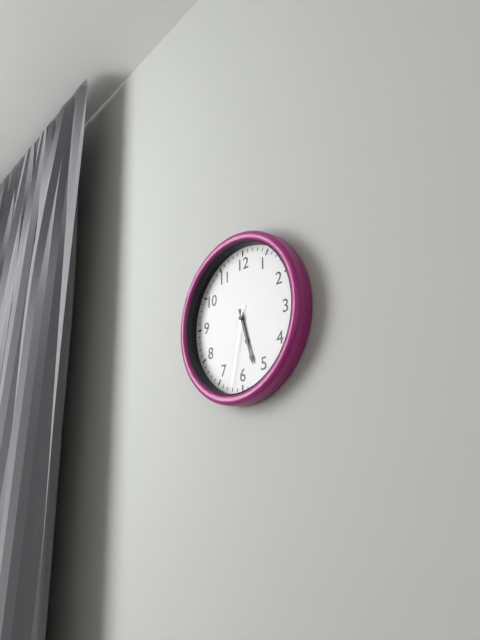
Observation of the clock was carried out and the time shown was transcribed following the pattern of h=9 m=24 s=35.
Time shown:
h=5 m=27 s=32
